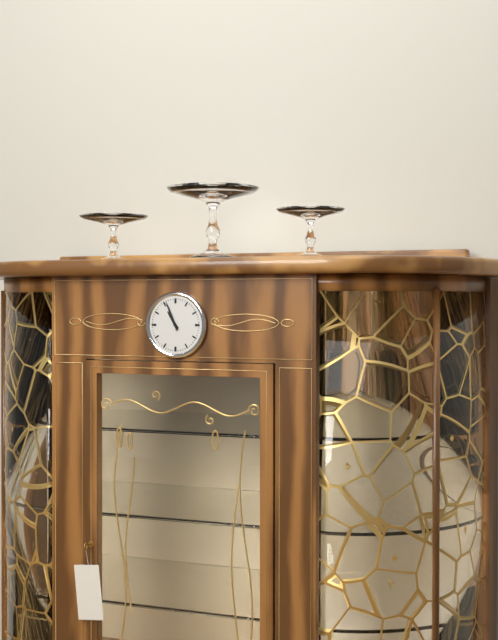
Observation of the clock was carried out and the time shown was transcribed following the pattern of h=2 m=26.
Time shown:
h=10 m=56
